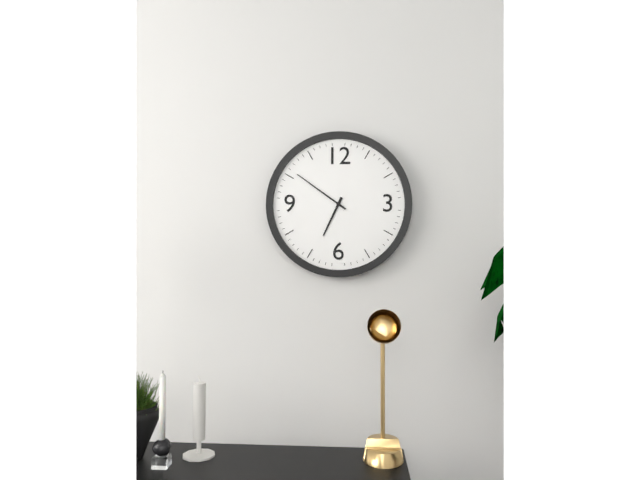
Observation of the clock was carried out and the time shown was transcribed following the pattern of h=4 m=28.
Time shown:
h=6 m=51
